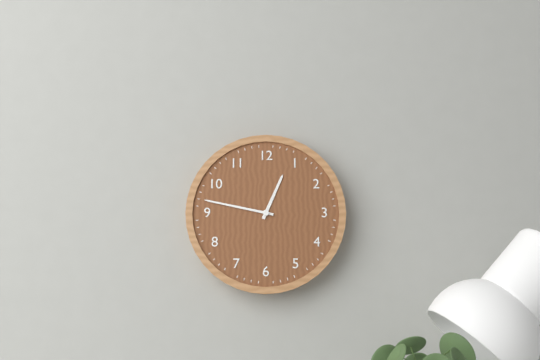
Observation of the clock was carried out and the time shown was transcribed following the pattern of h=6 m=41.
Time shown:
h=12 m=47
